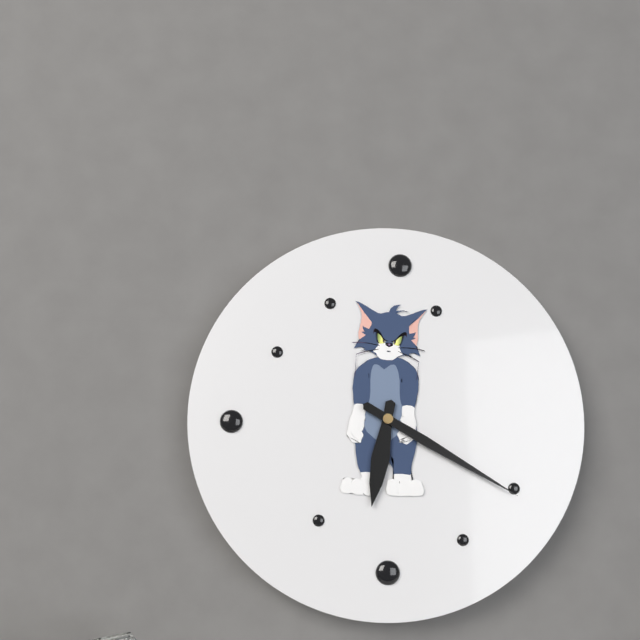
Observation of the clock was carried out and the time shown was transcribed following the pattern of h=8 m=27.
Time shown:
h=6 m=20
